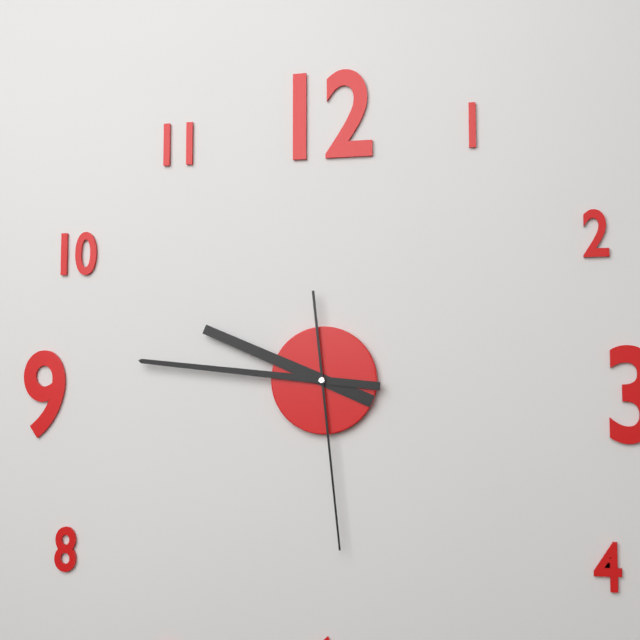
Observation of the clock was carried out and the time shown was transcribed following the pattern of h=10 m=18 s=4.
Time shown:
h=9 m=46 s=29
